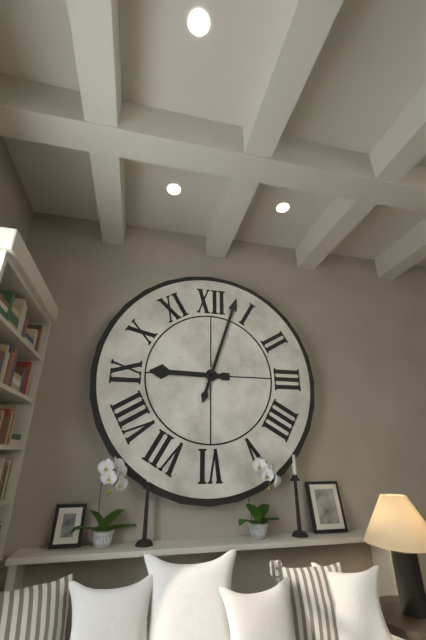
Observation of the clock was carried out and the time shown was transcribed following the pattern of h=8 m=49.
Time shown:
h=9 m=3
